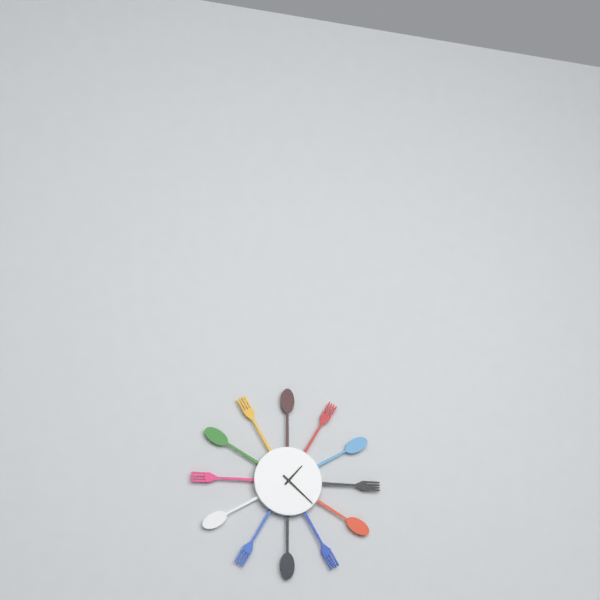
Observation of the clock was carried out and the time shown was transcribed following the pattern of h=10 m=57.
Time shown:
h=1 m=22
